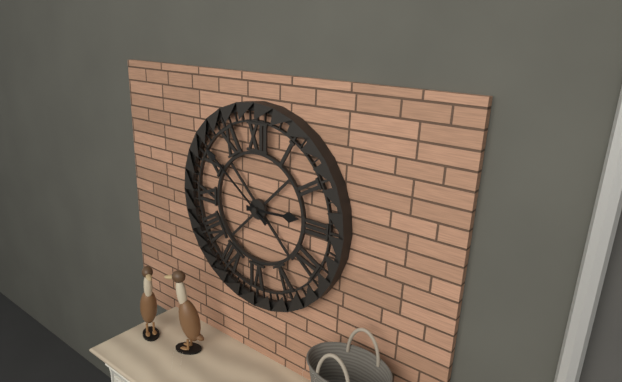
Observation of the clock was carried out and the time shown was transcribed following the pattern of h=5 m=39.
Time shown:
h=2 m=51
